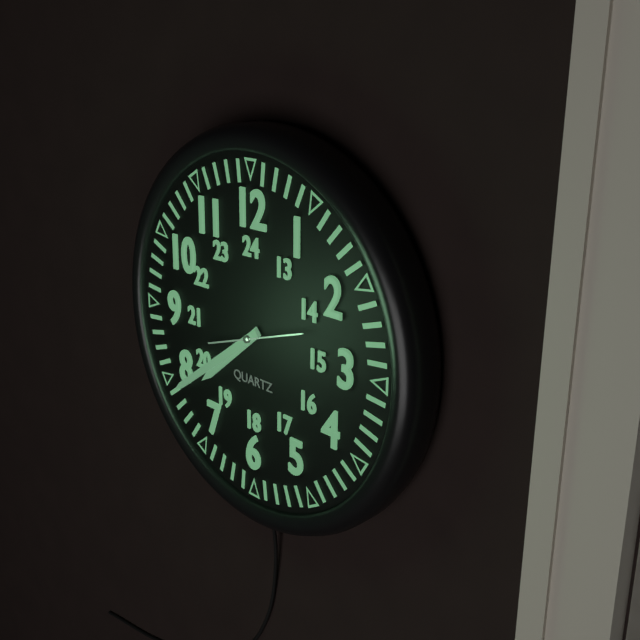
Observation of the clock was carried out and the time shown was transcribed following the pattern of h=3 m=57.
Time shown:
h=7 m=39
